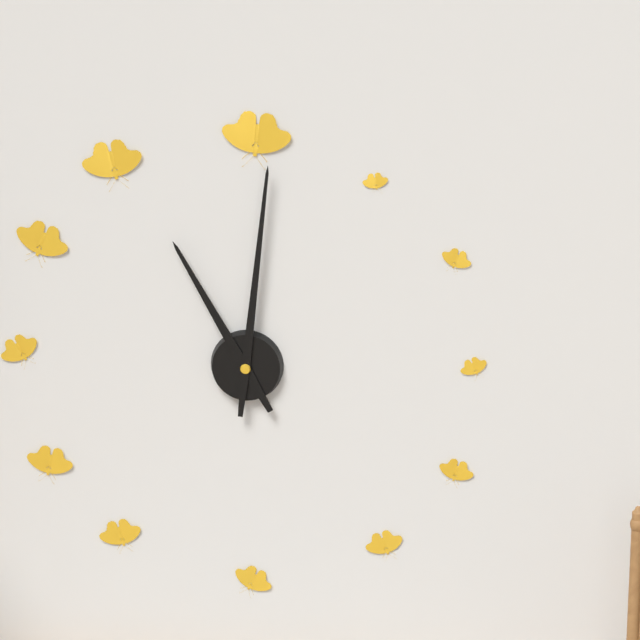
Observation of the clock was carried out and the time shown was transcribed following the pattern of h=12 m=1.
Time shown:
h=11 m=1
